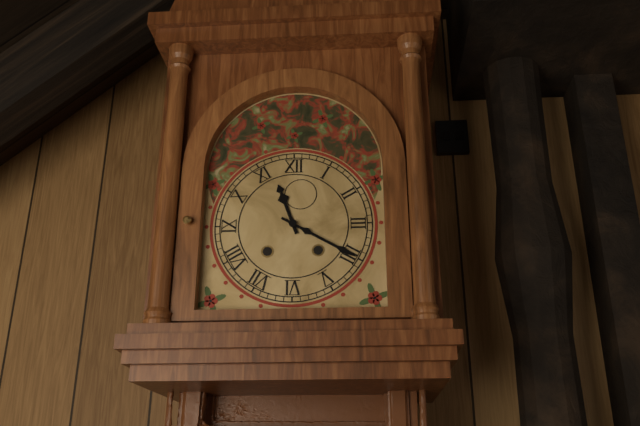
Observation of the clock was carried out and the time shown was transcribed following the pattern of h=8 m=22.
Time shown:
h=11 m=20
